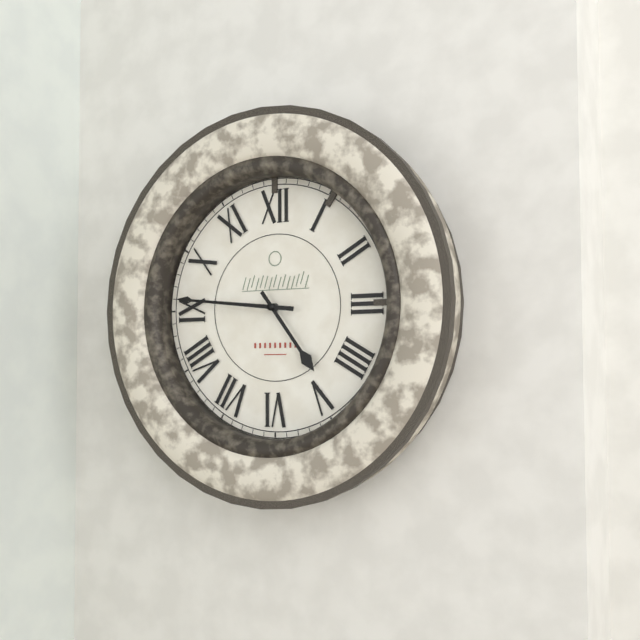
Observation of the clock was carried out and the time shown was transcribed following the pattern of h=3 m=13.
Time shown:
h=4 m=46
